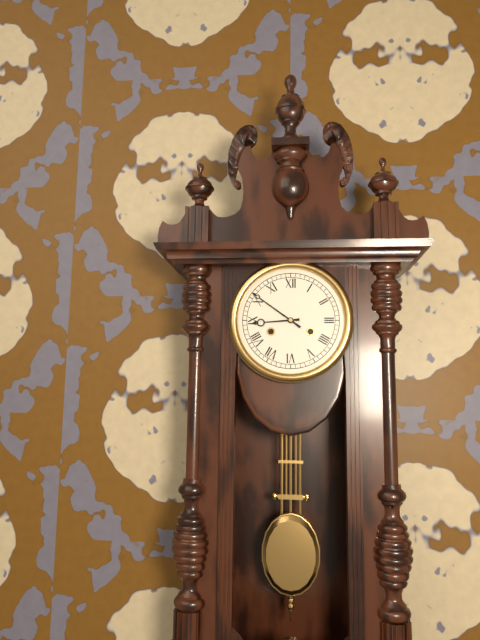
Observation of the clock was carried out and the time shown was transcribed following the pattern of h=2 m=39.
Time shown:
h=8 m=51
